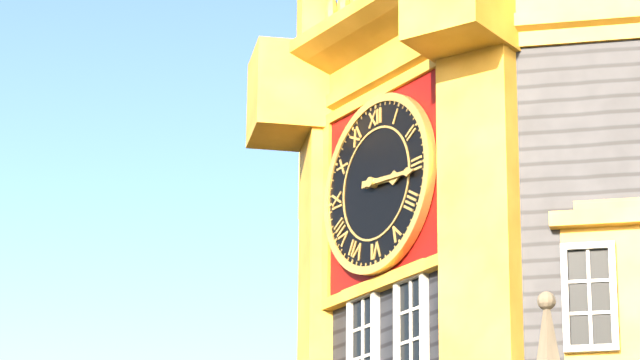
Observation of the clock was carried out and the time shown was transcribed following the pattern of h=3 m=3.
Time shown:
h=3 m=16
